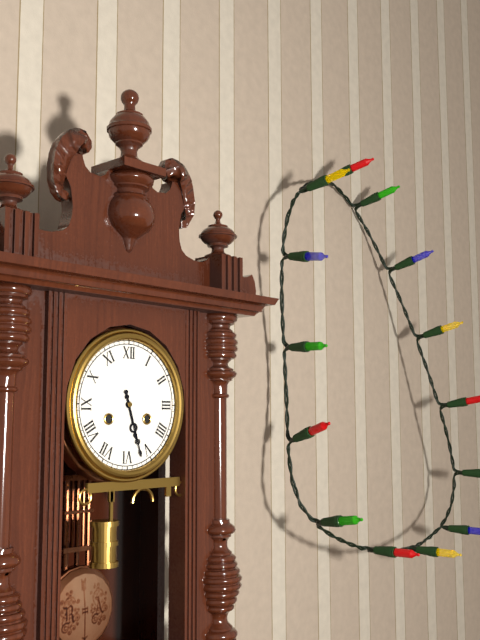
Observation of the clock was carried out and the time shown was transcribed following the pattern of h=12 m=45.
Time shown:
h=5 m=27
